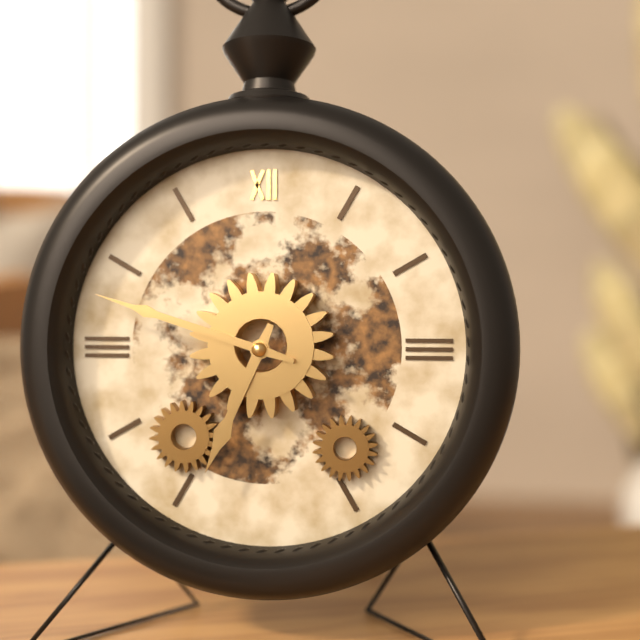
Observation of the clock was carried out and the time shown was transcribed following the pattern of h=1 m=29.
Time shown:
h=6 m=48
